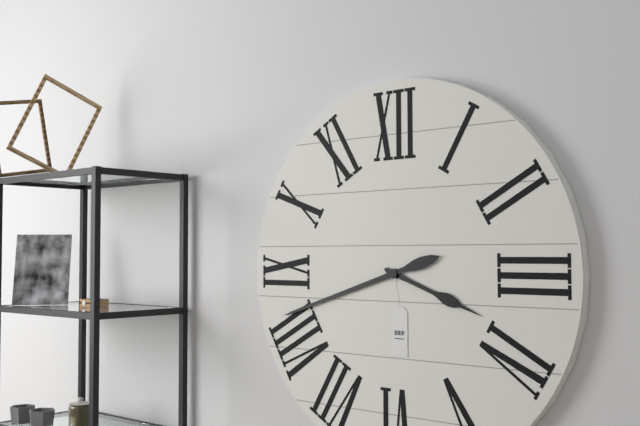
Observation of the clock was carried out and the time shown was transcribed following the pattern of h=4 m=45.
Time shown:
h=3 m=42
